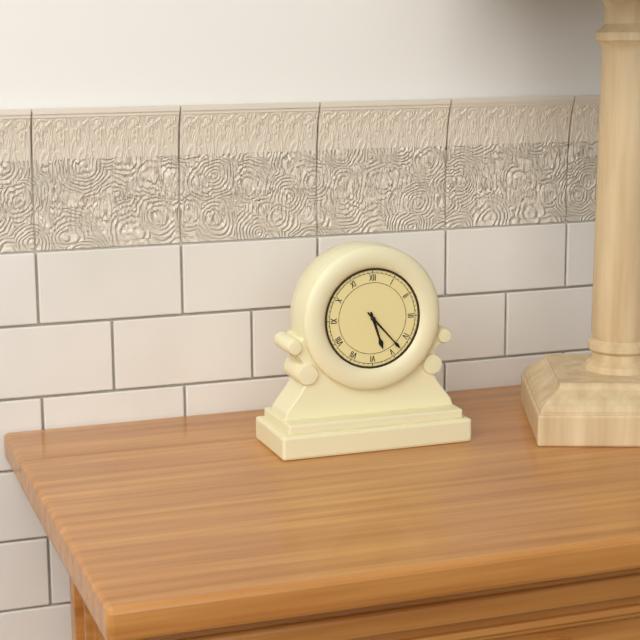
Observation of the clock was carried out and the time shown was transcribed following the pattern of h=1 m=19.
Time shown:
h=5 m=23
